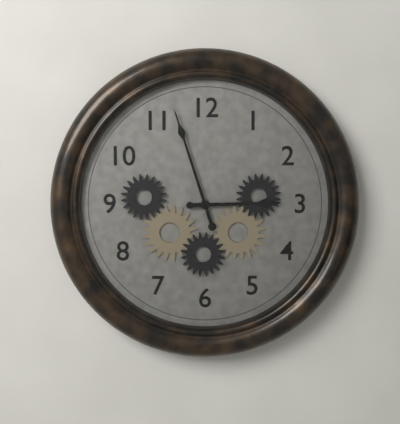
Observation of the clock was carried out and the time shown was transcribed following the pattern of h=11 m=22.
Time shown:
h=2 m=57
